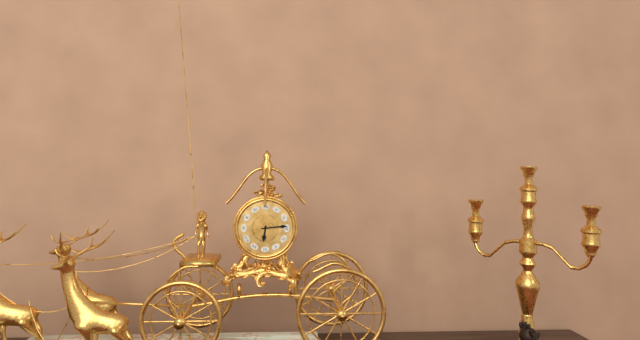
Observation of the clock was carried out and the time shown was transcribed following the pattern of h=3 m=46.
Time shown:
h=6 m=14
